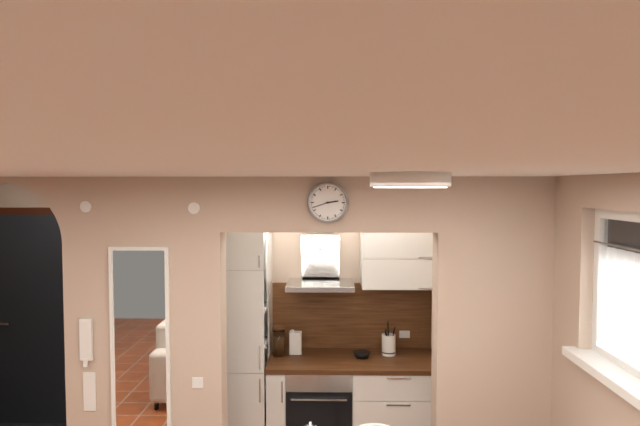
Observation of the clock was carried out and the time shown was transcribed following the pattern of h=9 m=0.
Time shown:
h=2 m=42
